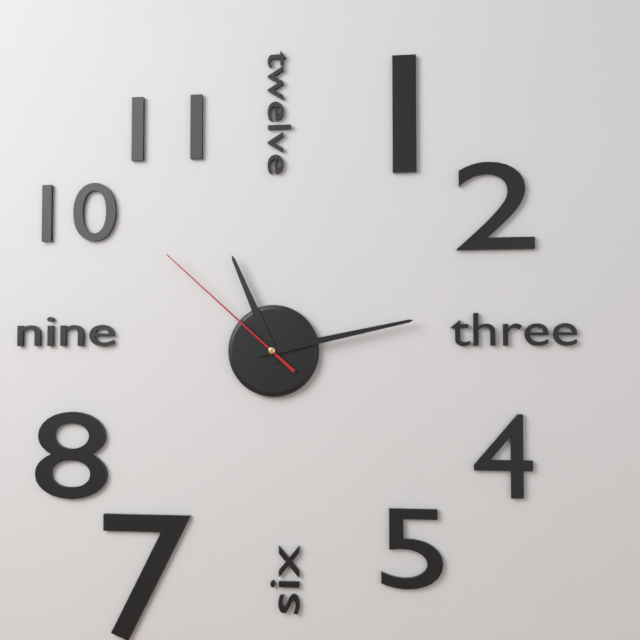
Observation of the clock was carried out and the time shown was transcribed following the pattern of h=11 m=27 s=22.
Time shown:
h=11 m=13 s=52
